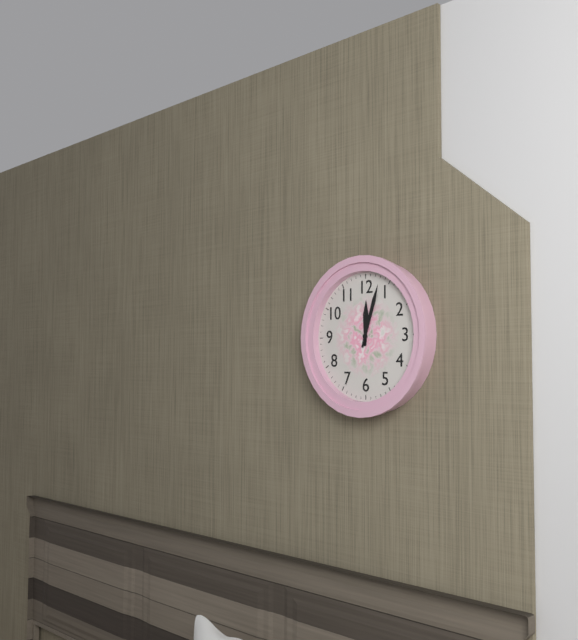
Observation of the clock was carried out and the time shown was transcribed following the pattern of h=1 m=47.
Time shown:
h=12 m=3
